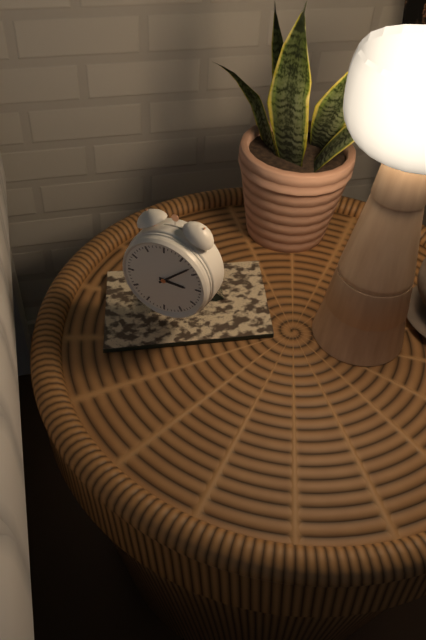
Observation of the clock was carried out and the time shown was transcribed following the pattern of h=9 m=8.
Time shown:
h=3 m=8
